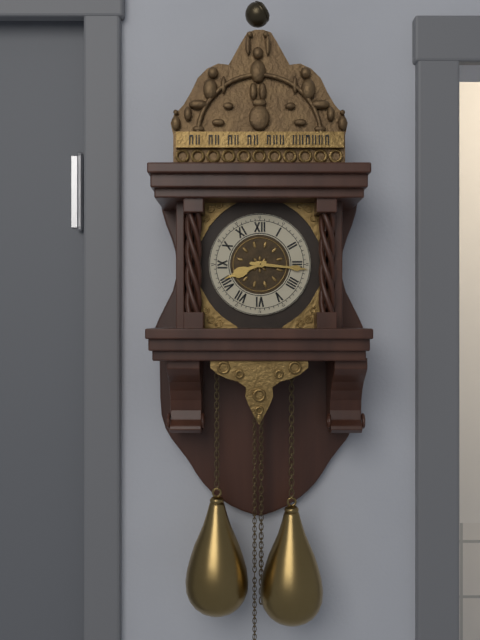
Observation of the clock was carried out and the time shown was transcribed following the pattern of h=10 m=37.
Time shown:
h=8 m=16
